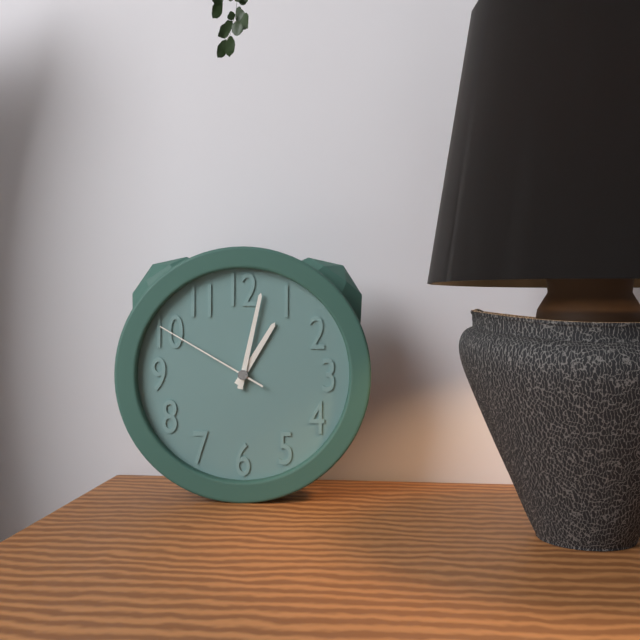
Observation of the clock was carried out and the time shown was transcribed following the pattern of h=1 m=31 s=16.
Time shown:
h=1 m=2 s=50
